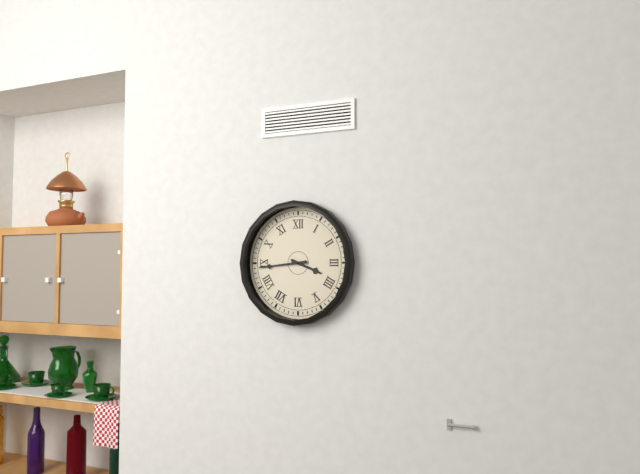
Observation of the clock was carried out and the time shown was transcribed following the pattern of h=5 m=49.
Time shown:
h=3 m=44
